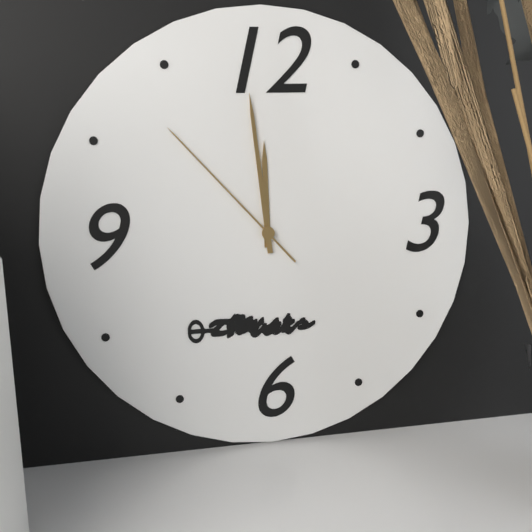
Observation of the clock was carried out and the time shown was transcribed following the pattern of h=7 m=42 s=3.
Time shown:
h=11 m=59 s=53
